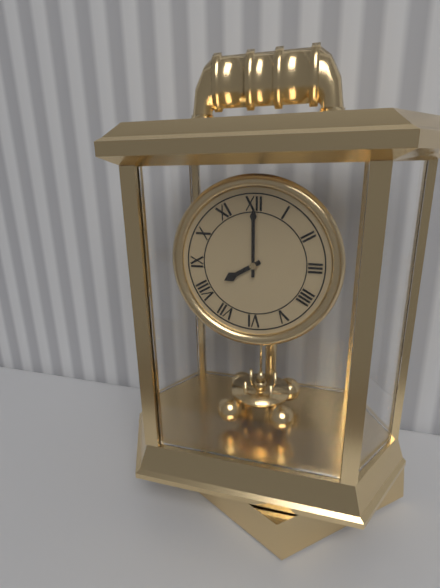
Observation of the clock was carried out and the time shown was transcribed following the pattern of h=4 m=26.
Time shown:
h=8 m=0
